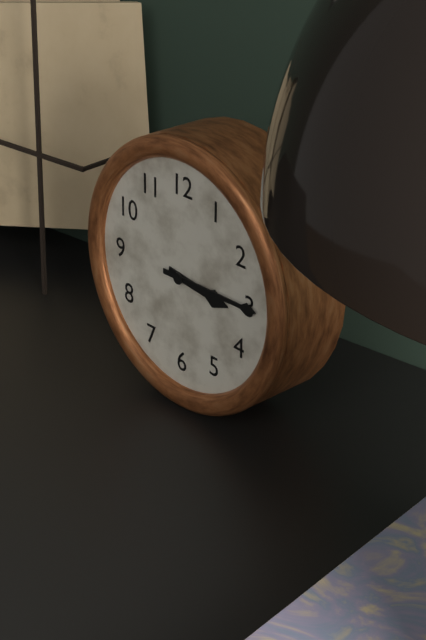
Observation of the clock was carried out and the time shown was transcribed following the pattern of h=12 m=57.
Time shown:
h=3 m=15
